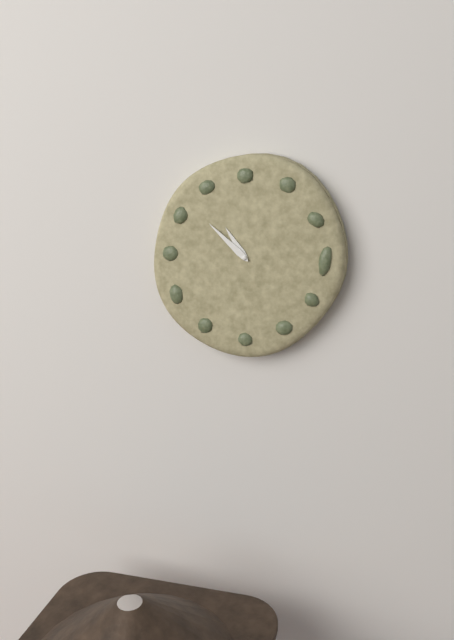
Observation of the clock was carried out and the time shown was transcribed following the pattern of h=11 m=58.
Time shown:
h=10 m=52
